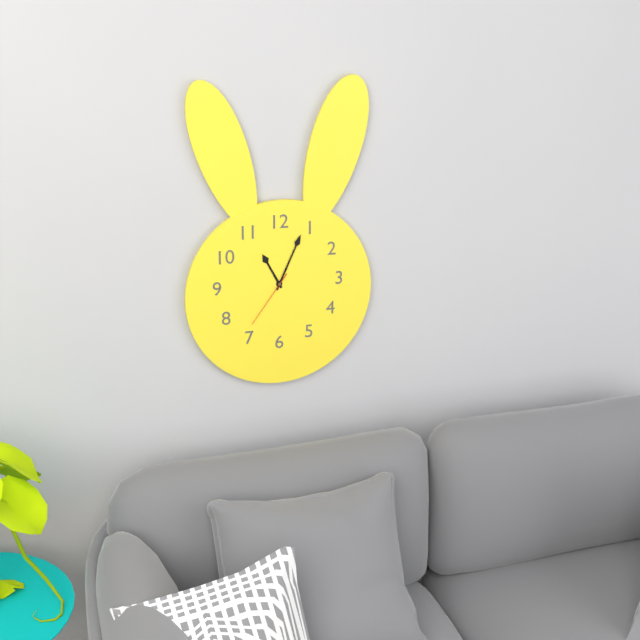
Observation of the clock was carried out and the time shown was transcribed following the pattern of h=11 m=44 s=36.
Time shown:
h=11 m=4 s=36
